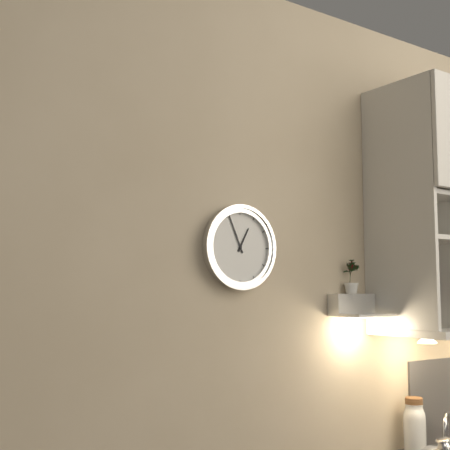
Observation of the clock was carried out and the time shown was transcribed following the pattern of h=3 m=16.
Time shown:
h=12 m=56
